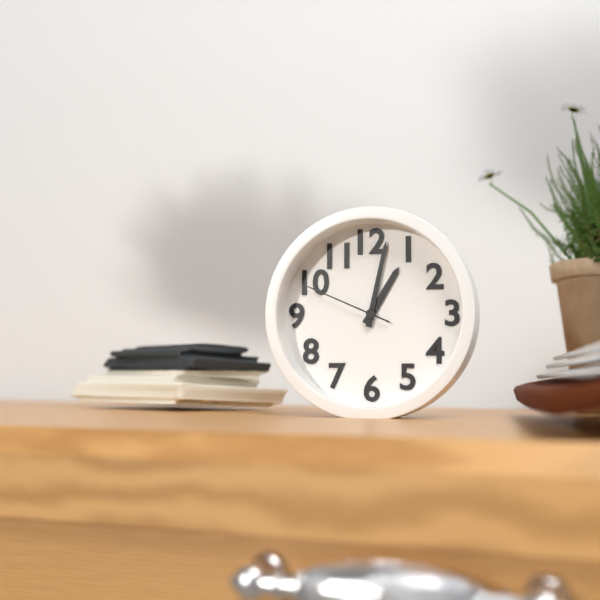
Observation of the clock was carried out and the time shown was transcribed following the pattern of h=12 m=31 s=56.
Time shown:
h=1 m=2 s=49
